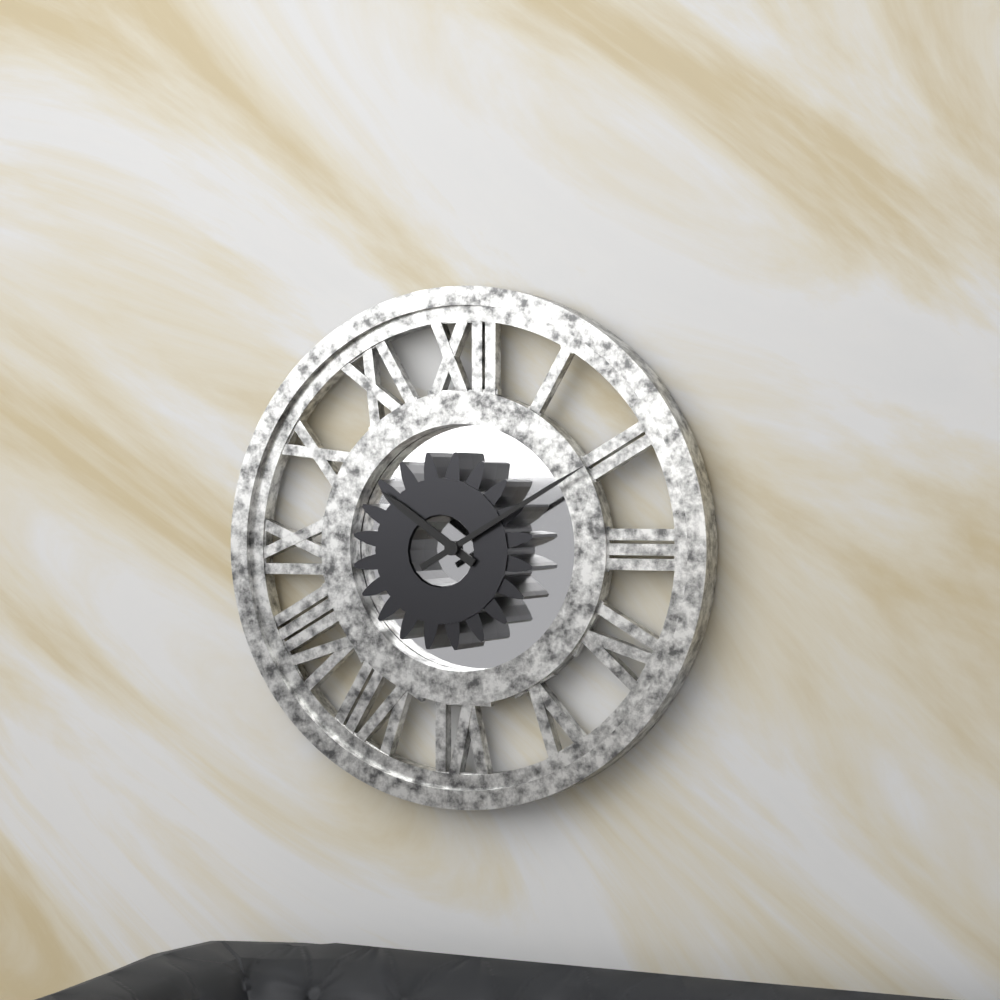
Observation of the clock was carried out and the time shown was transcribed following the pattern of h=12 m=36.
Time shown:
h=10 m=10
